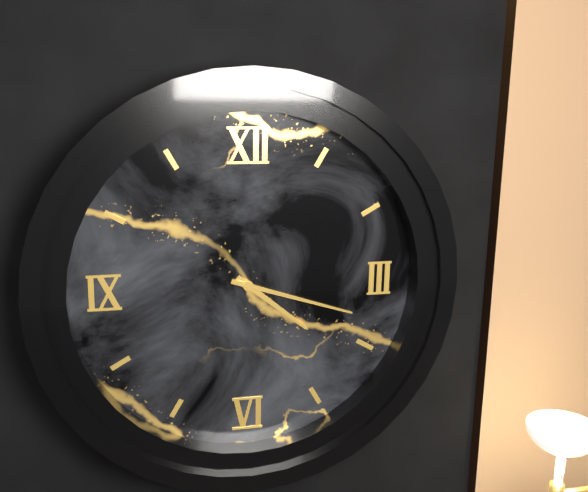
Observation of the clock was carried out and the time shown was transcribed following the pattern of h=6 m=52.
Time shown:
h=4 m=18
